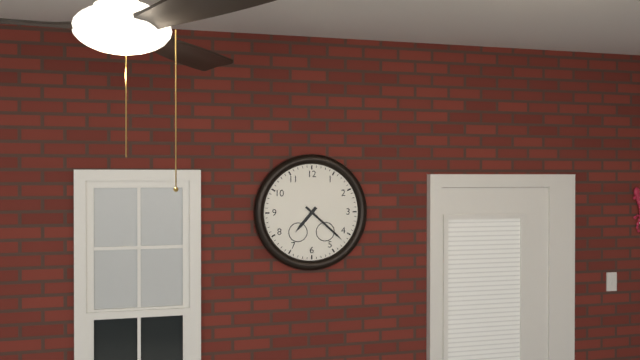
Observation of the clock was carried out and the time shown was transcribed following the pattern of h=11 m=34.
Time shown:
h=7 m=22
